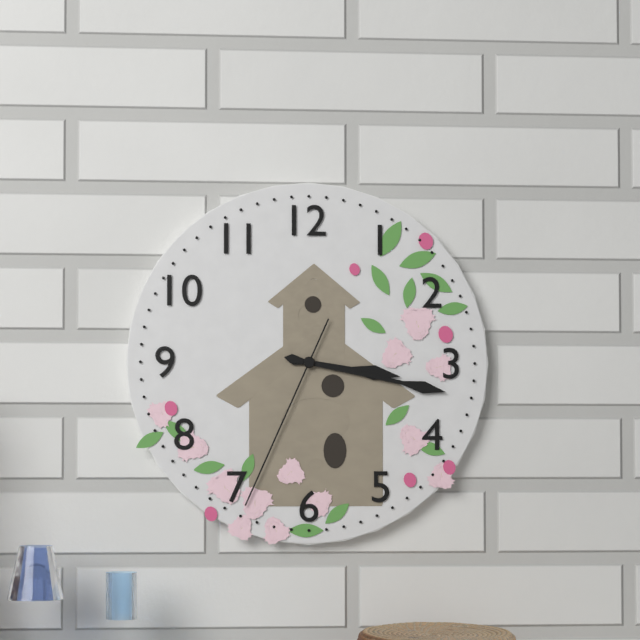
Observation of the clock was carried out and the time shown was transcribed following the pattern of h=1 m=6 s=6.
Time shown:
h=3 m=17 s=34
